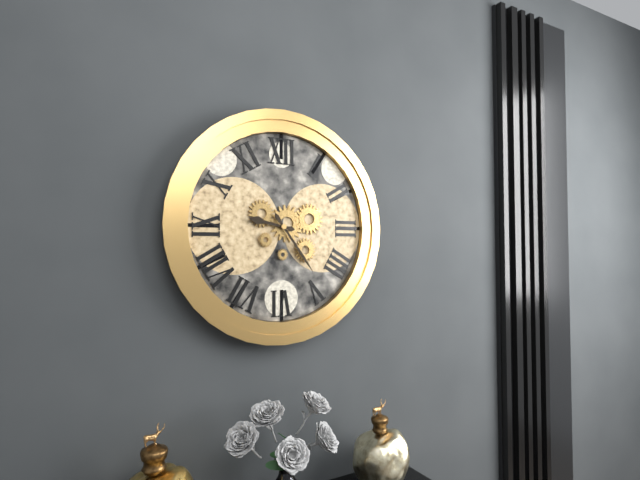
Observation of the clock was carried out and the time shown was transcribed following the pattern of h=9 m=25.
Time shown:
h=9 m=24
